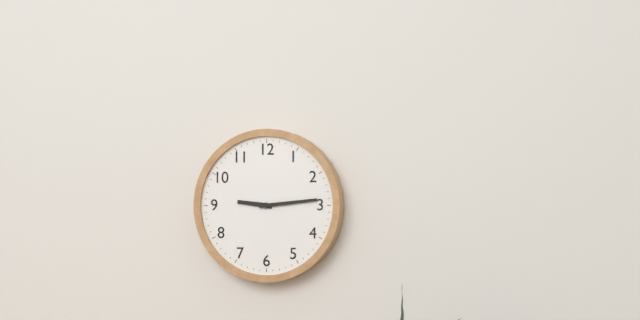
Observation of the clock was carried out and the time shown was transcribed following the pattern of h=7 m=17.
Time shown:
h=9 m=14
